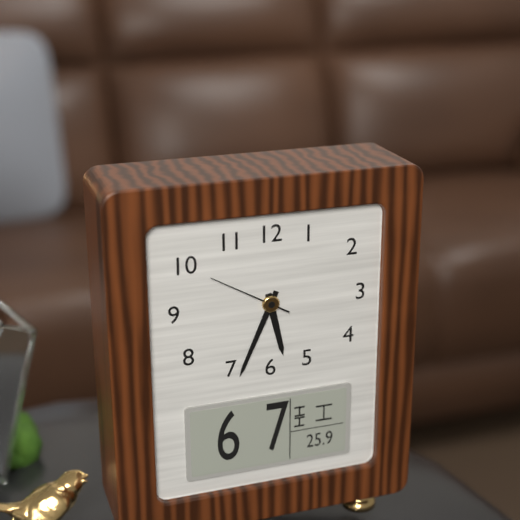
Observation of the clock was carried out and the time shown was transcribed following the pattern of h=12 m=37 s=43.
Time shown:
h=5 m=34 s=50
